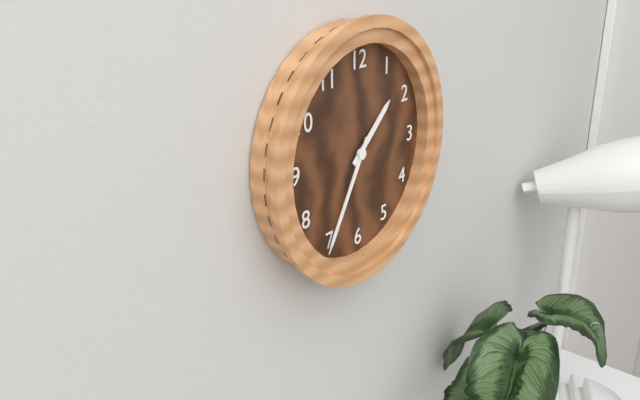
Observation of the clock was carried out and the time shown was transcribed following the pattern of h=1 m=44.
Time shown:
h=1 m=35
